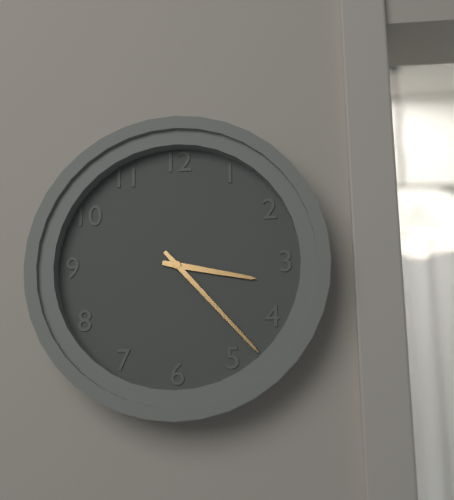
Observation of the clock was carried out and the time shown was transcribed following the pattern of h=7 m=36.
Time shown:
h=3 m=23
